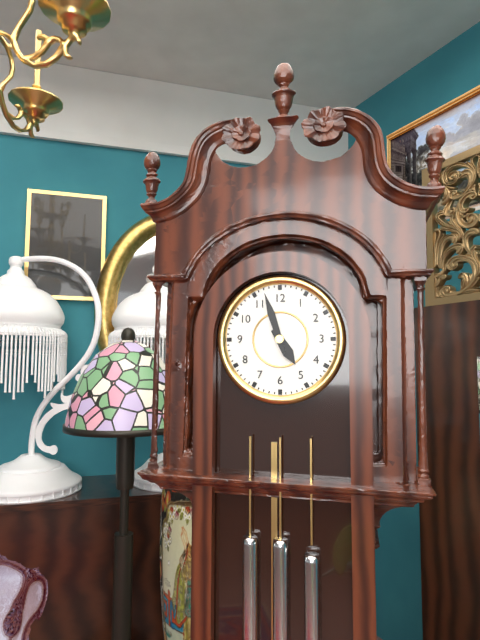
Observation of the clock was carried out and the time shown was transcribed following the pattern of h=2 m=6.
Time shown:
h=4 m=57
